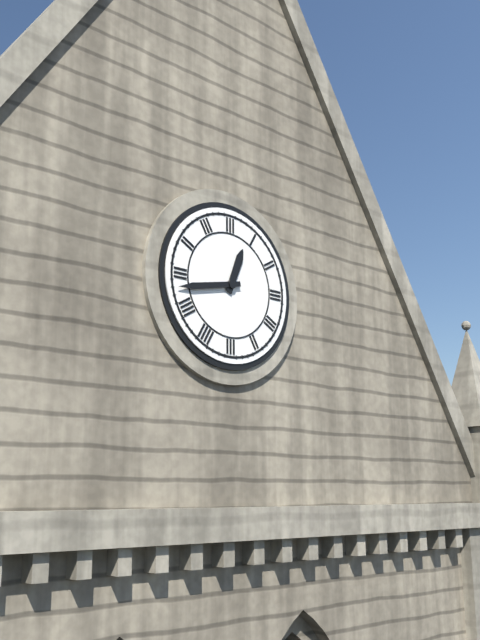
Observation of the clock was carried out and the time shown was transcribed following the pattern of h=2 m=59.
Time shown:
h=12 m=43
